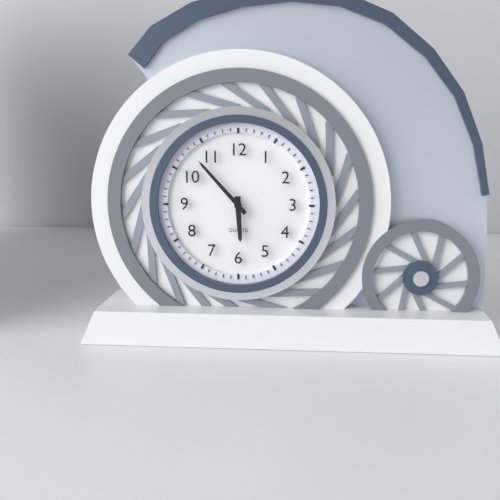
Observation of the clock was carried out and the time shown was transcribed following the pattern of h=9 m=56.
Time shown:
h=5 m=53
